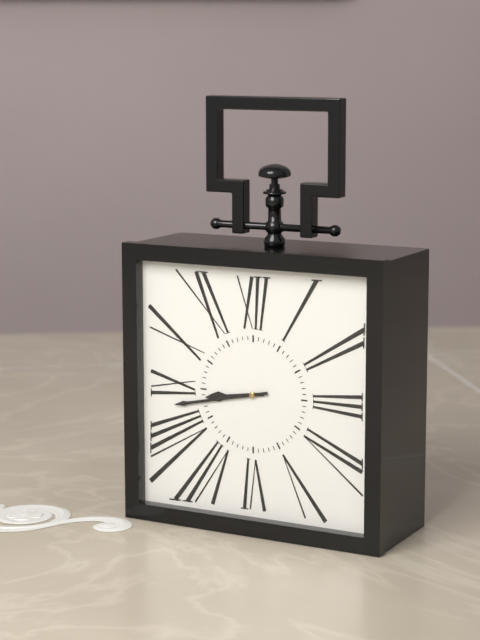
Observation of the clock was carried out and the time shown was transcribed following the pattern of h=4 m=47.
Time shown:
h=8 m=43
